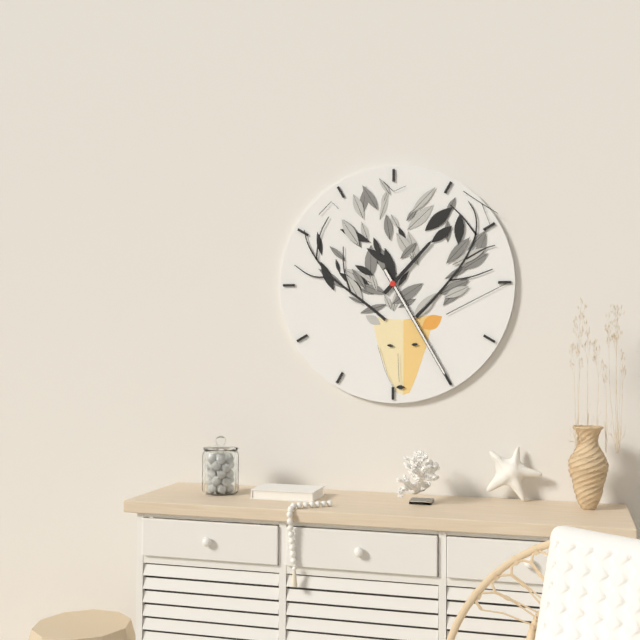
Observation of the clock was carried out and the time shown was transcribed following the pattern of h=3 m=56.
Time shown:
h=1 m=25
